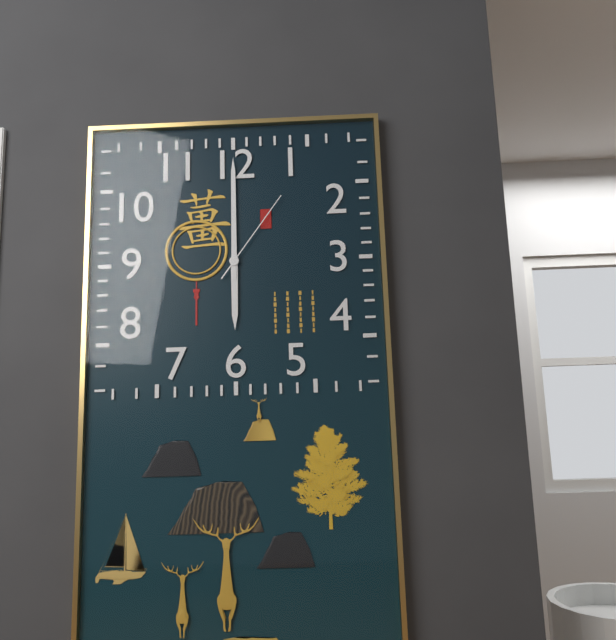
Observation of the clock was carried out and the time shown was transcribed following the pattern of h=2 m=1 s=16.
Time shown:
h=6 m=0 s=6
